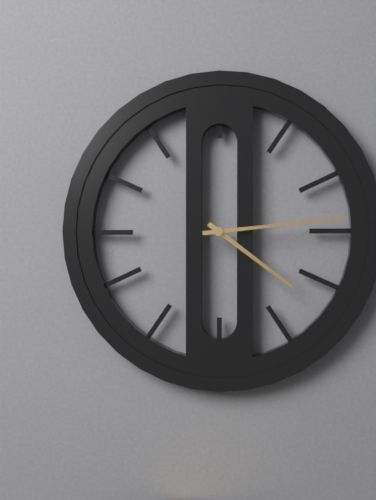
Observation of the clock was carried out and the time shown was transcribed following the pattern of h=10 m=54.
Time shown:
h=4 m=14
